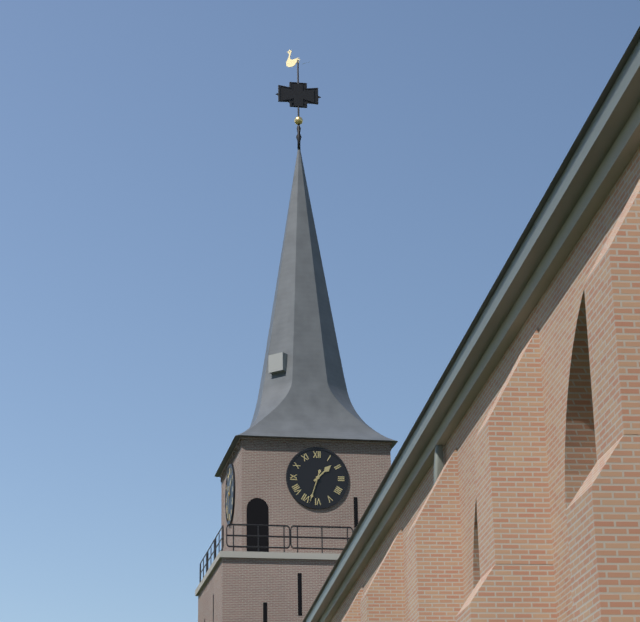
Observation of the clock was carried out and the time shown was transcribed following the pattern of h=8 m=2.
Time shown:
h=1 m=33
